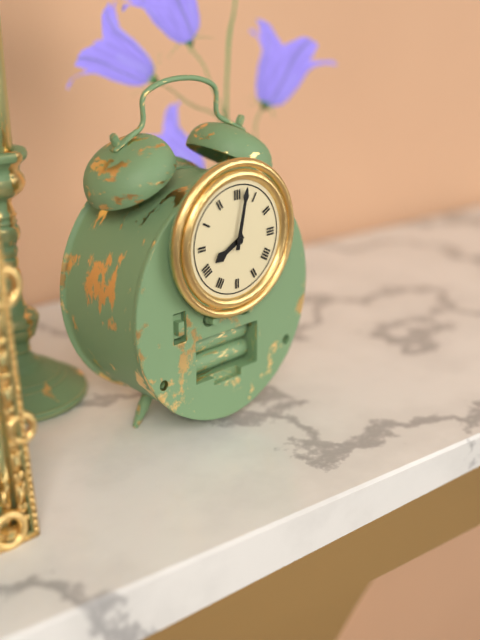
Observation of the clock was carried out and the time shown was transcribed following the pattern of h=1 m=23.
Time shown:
h=8 m=2
